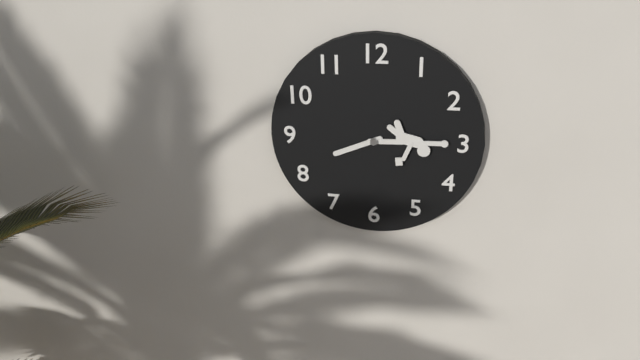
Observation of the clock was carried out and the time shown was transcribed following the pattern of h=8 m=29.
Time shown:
h=8 m=14
